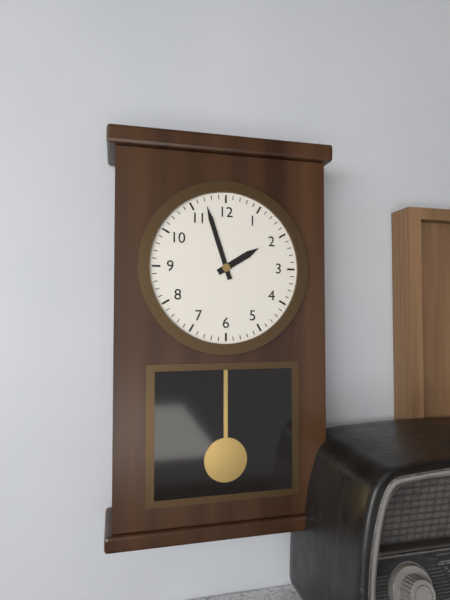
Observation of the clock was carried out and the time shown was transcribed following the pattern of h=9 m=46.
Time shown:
h=1 m=57
